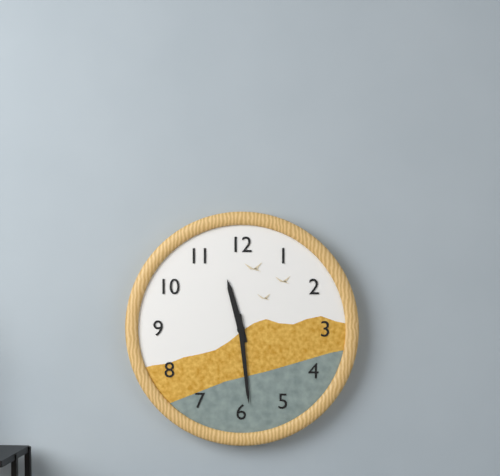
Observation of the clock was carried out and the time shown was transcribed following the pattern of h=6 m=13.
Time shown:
h=11 m=29
